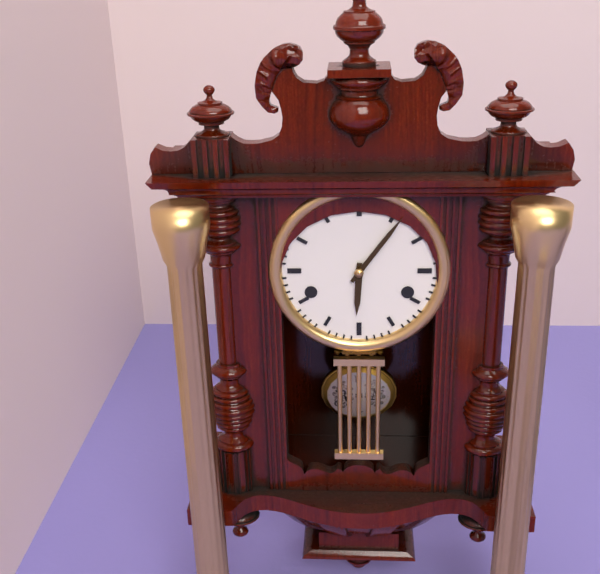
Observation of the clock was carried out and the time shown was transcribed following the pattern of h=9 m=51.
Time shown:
h=6 m=6
